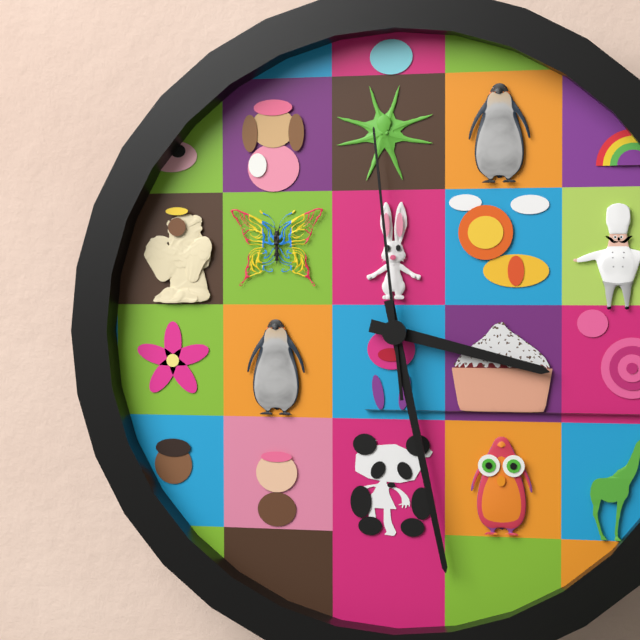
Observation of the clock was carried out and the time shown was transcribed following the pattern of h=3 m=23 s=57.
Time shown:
h=3 m=28 s=59
